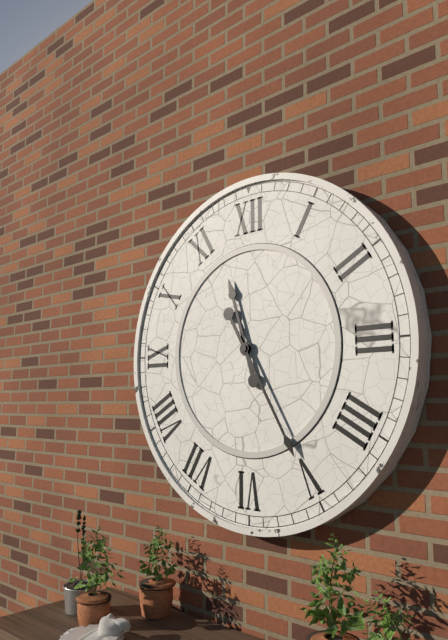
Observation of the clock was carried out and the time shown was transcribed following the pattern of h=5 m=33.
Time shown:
h=11 m=25
